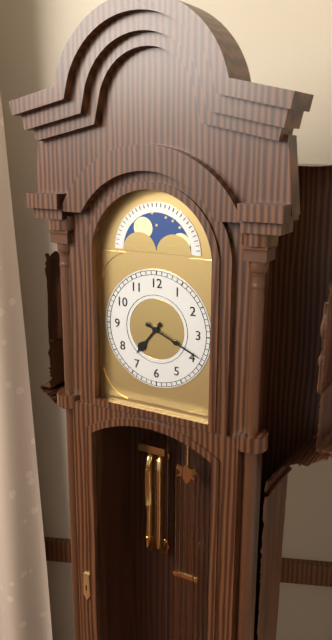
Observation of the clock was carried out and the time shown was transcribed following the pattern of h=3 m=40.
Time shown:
h=7 m=19
